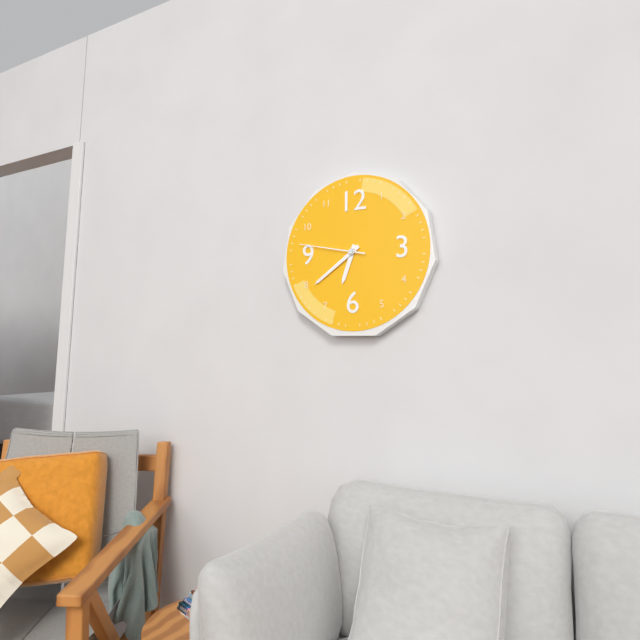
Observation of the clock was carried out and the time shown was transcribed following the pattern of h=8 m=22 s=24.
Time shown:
h=6 m=39 s=47
